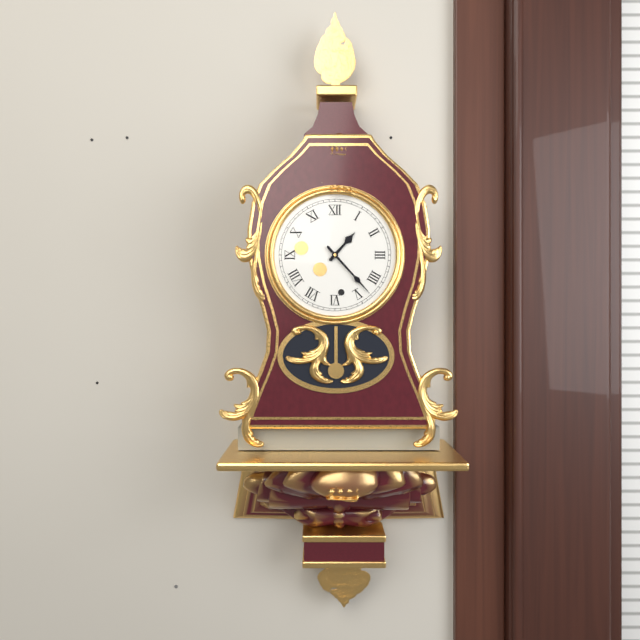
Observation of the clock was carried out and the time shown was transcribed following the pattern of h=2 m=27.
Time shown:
h=1 m=23
